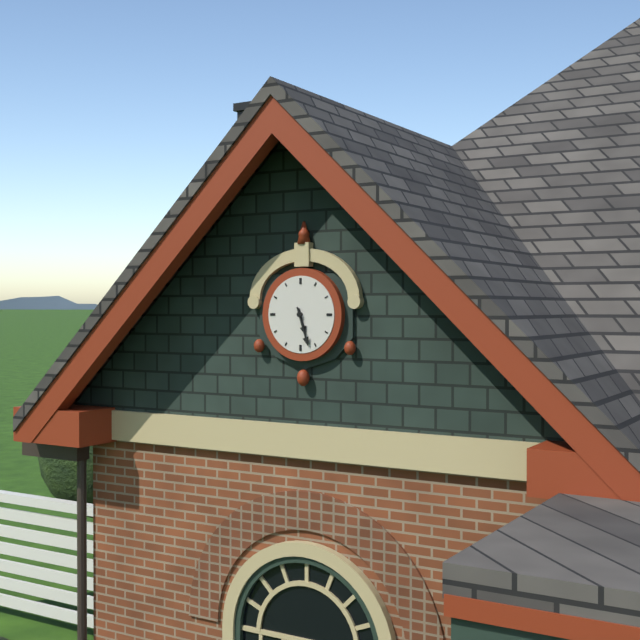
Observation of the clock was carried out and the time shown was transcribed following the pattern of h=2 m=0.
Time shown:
h=5 m=27
